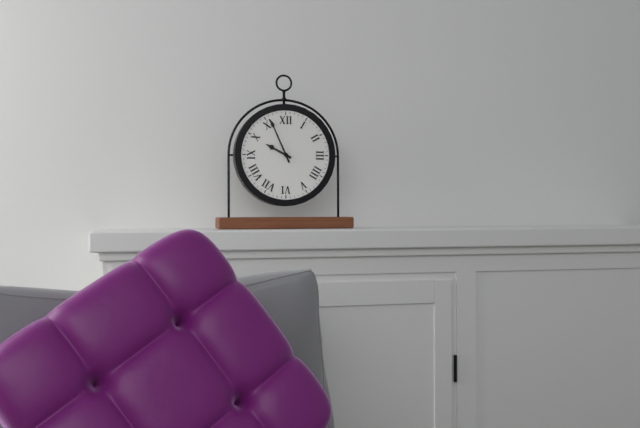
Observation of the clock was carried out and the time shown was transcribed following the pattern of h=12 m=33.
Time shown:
h=9 m=56
